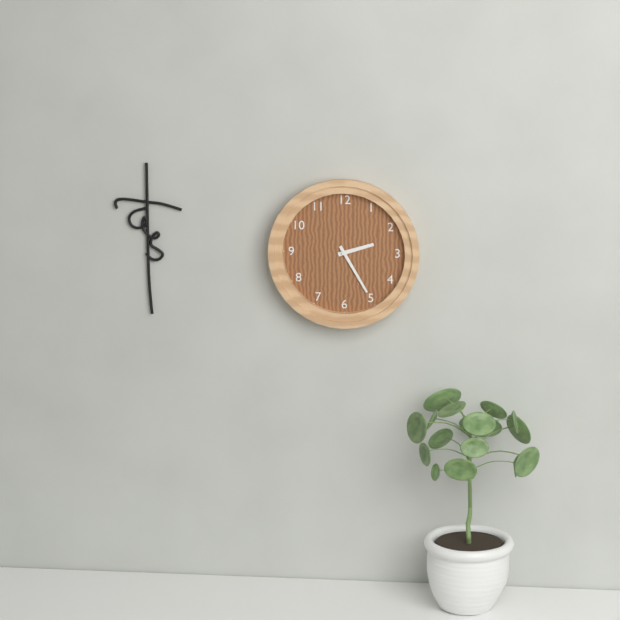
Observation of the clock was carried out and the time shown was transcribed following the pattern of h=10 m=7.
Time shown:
h=2 m=25
